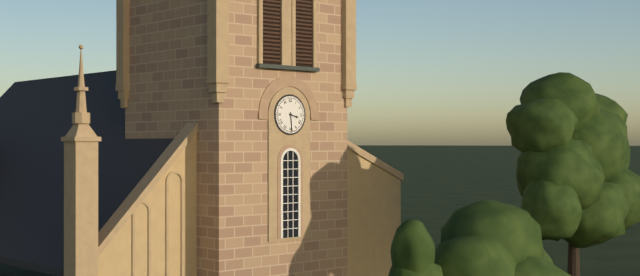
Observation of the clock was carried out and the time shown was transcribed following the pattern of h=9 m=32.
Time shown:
h=3 m=29
